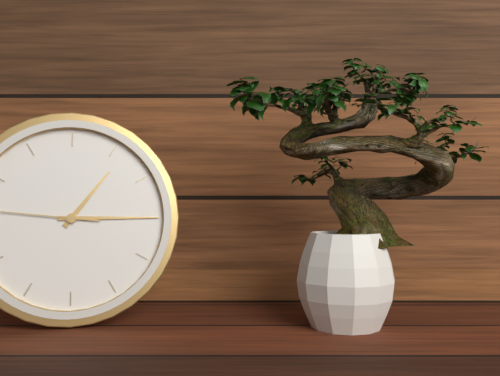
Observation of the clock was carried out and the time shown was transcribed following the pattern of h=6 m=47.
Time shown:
h=1 m=15
